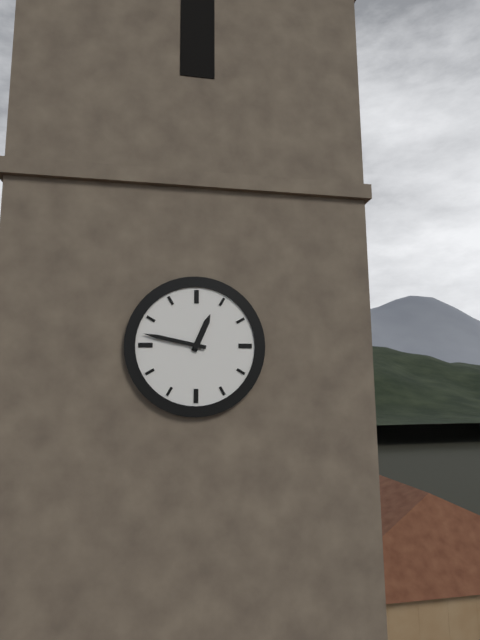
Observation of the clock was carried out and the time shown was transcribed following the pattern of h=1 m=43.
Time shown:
h=12 m=47
